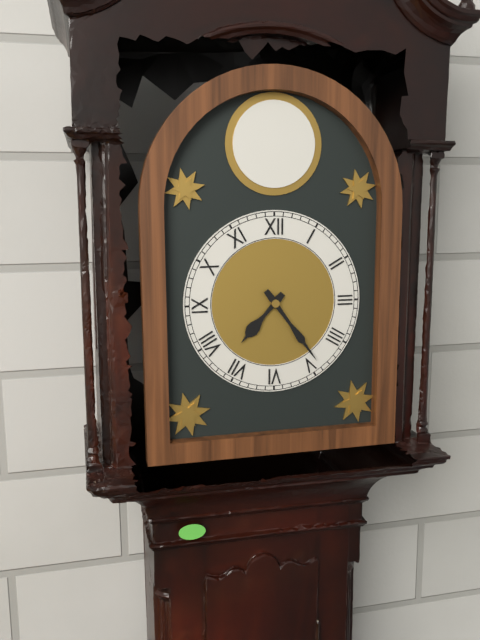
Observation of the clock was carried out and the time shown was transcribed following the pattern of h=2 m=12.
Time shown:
h=7 m=24
